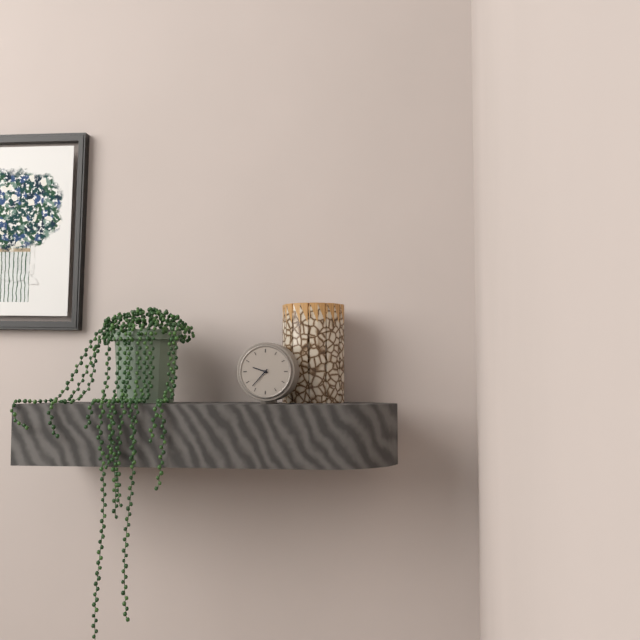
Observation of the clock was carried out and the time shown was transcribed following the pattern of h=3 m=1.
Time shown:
h=9 m=37
